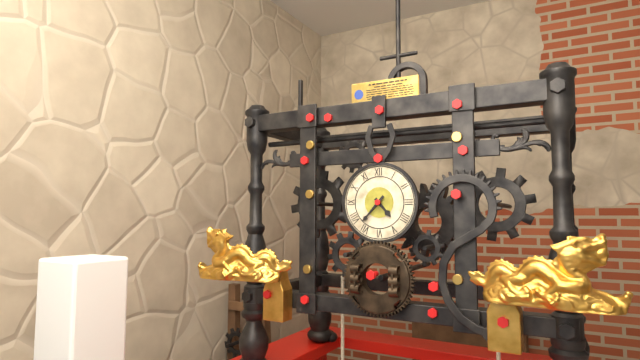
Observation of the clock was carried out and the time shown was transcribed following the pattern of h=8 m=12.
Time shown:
h=4 m=37
